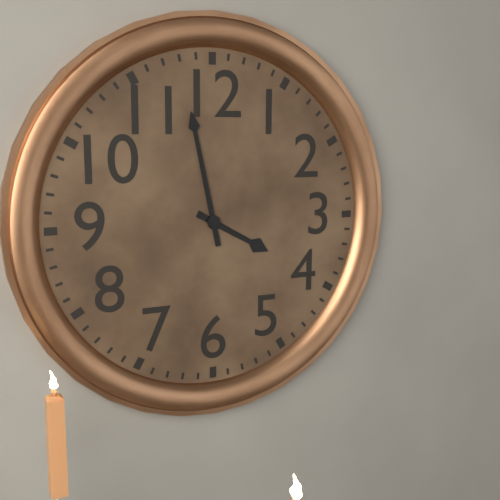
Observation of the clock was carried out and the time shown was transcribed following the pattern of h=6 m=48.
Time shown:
h=3 m=58
